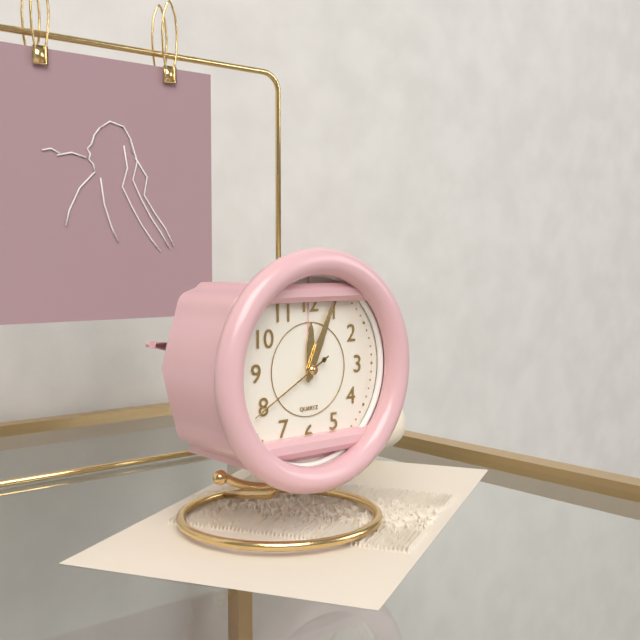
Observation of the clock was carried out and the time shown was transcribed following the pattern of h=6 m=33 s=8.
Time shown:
h=12 m=4 s=40
